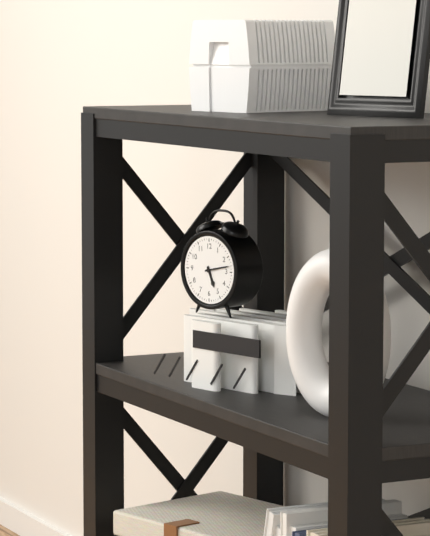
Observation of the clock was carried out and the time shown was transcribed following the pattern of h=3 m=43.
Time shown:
h=5 m=13
